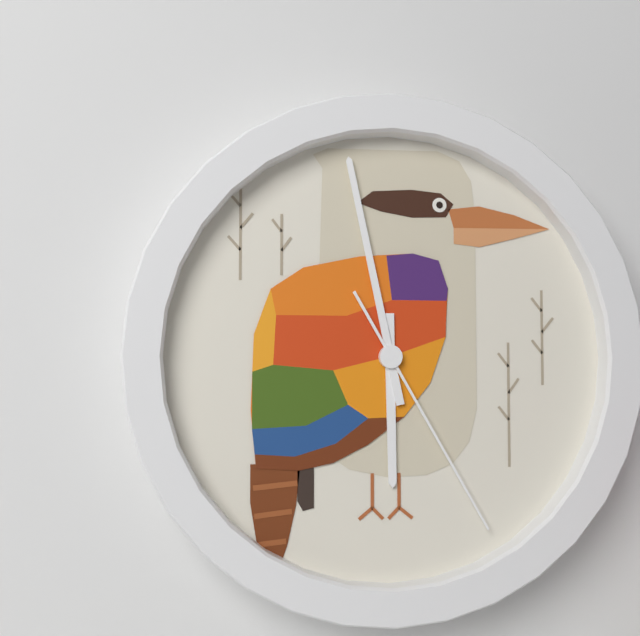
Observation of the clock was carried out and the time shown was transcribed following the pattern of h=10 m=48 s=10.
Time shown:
h=5 m=58 s=25
